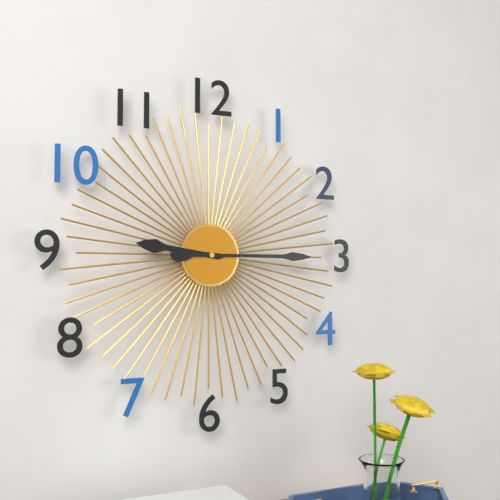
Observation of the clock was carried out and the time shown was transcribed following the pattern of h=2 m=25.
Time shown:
h=9 m=15
